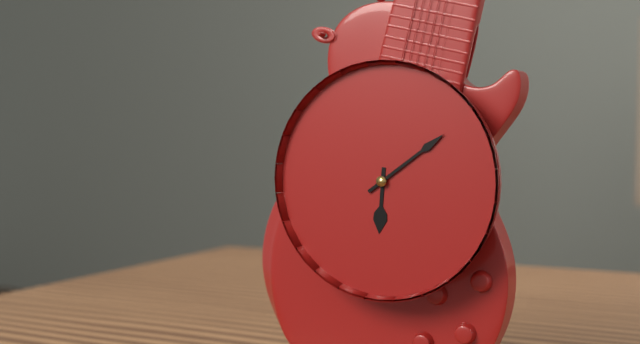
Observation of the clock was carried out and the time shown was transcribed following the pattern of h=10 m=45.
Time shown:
h=6 m=9
